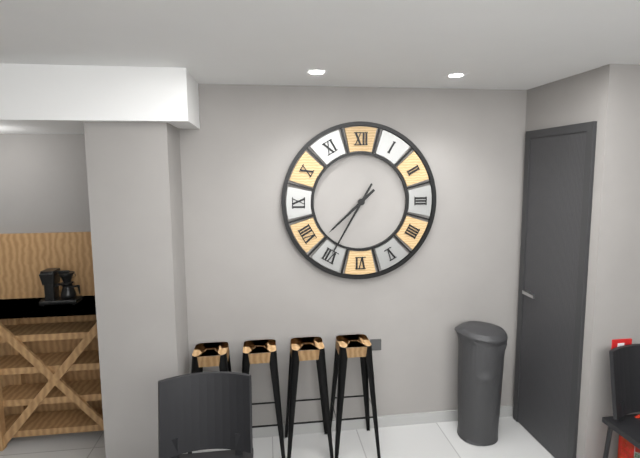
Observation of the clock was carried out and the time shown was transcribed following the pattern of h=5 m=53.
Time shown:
h=7 m=35
